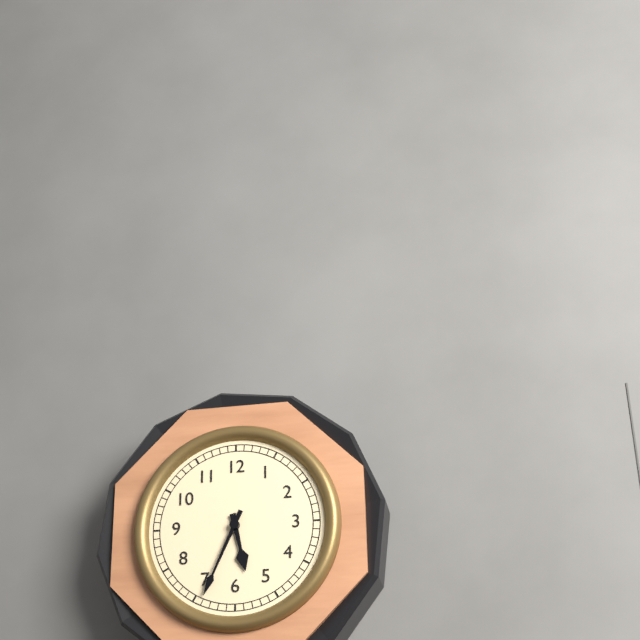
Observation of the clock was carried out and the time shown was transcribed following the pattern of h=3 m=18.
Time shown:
h=5 m=34
